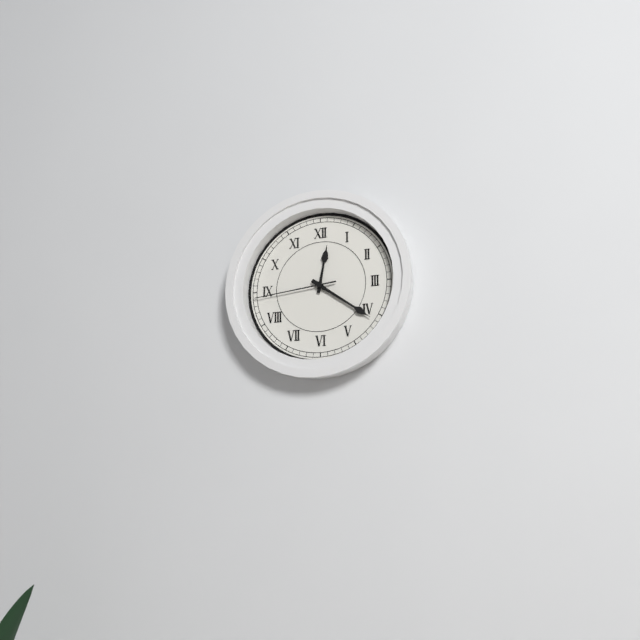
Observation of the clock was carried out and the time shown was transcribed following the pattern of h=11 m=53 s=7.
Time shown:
h=12 m=21 s=44
